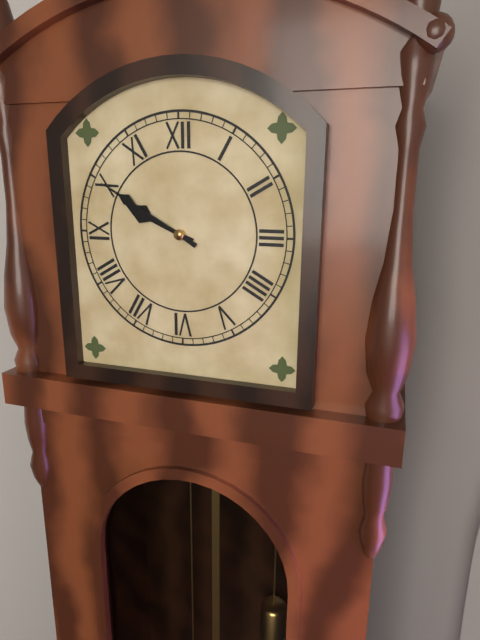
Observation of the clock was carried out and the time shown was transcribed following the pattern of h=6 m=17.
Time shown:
h=9 m=50
